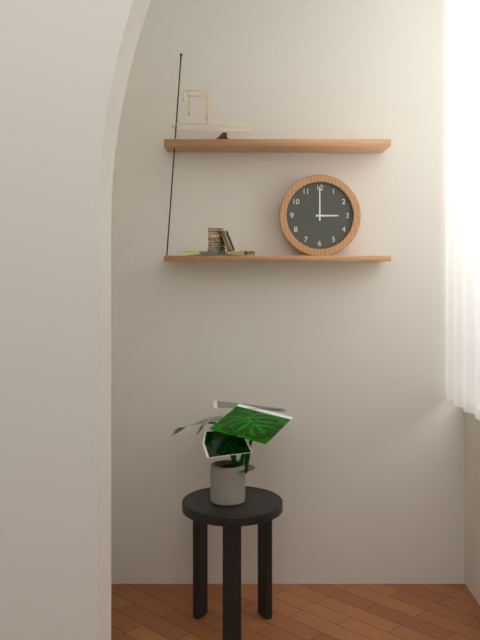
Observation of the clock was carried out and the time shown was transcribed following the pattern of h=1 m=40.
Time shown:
h=3 m=0
